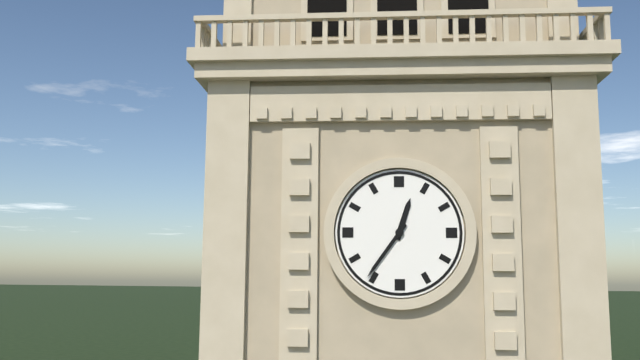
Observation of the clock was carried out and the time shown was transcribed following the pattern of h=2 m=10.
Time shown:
h=12 m=36
